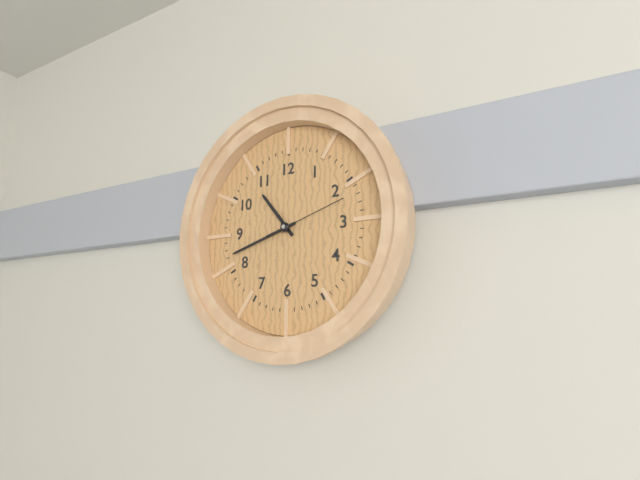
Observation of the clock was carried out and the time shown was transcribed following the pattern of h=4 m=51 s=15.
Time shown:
h=10 m=42 s=12
